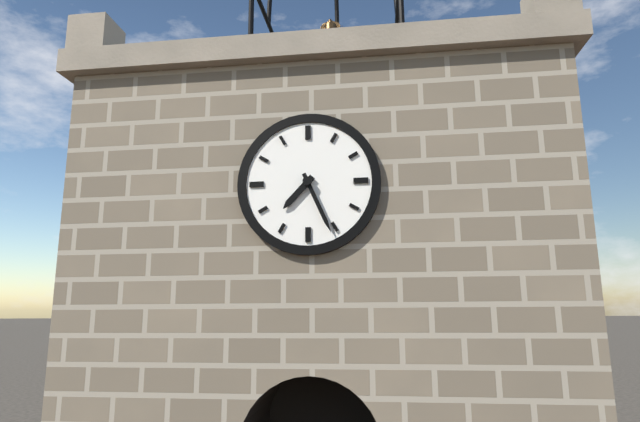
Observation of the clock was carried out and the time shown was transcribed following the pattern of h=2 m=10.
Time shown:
h=7 m=26
